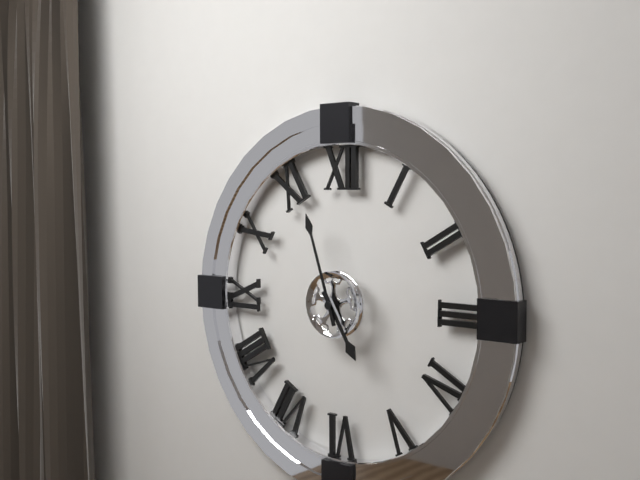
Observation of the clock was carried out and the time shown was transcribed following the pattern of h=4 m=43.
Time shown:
h=4 m=57
